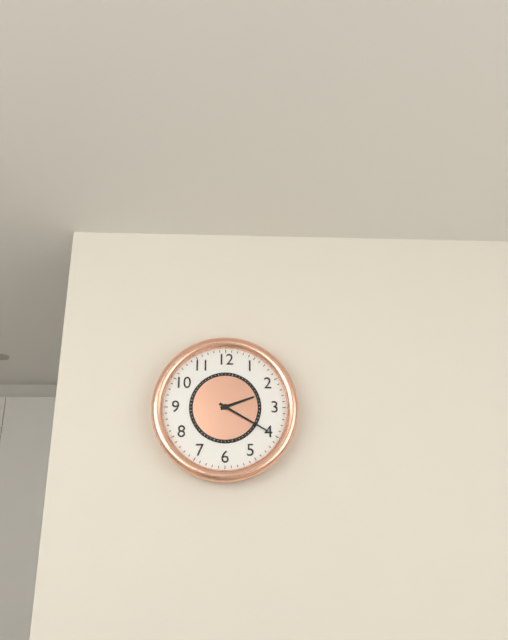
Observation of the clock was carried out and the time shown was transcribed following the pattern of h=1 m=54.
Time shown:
h=2 m=20
